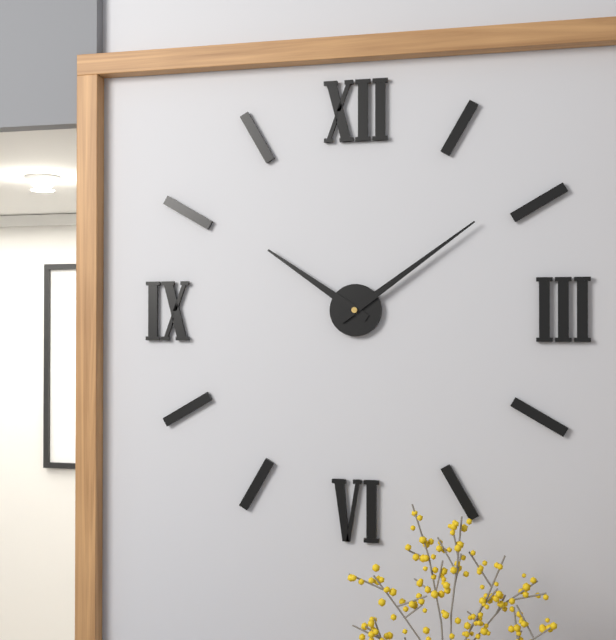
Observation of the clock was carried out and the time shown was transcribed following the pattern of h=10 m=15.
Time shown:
h=10 m=9
